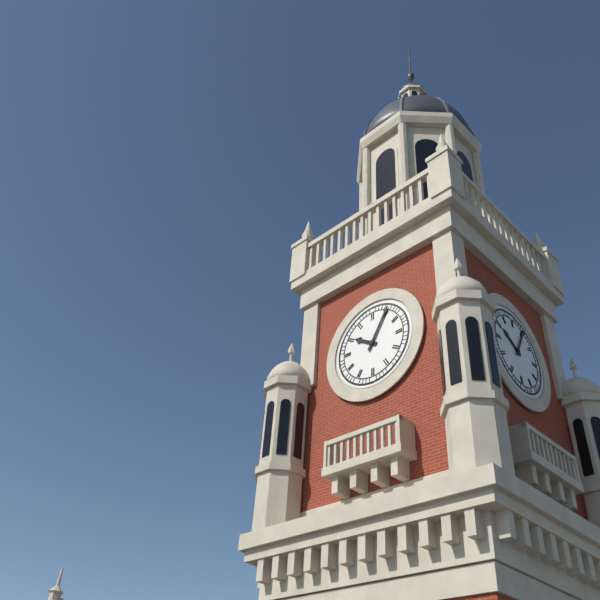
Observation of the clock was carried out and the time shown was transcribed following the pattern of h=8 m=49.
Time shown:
h=10 m=5
